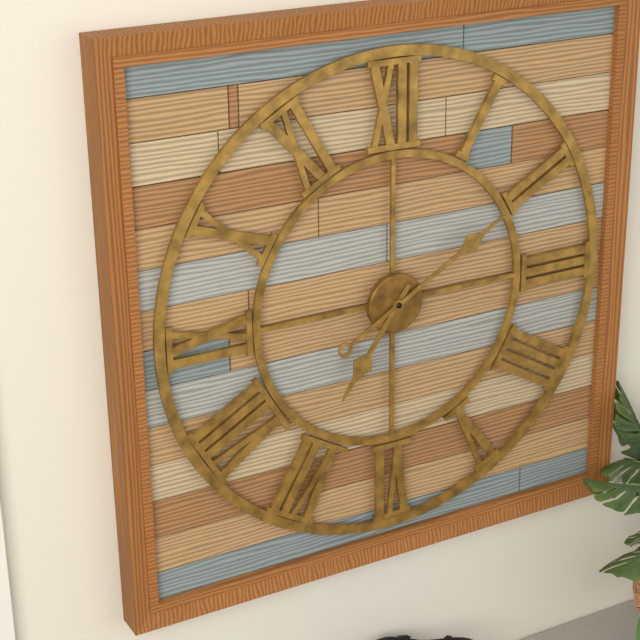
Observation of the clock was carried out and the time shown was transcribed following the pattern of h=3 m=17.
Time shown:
h=7 m=10
